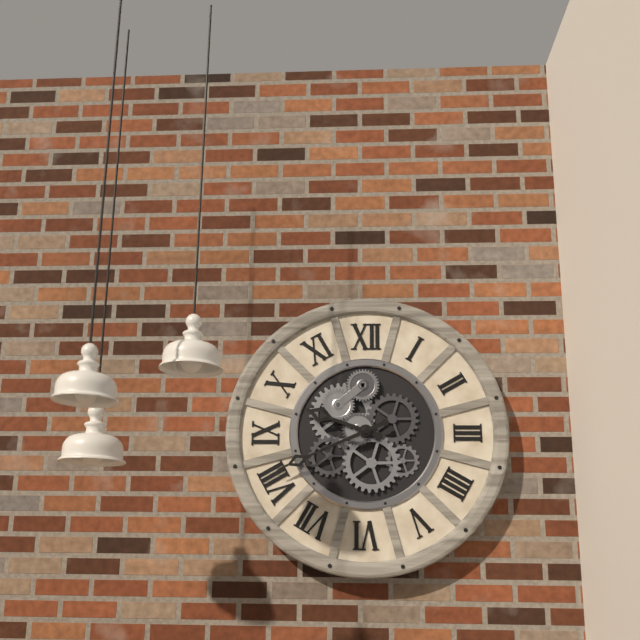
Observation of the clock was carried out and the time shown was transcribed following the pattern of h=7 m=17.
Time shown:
h=9 m=41
